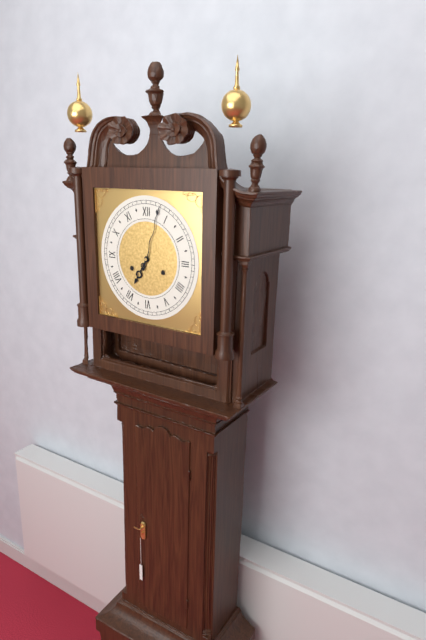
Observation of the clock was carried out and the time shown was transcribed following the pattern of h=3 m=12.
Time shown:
h=7 m=3
